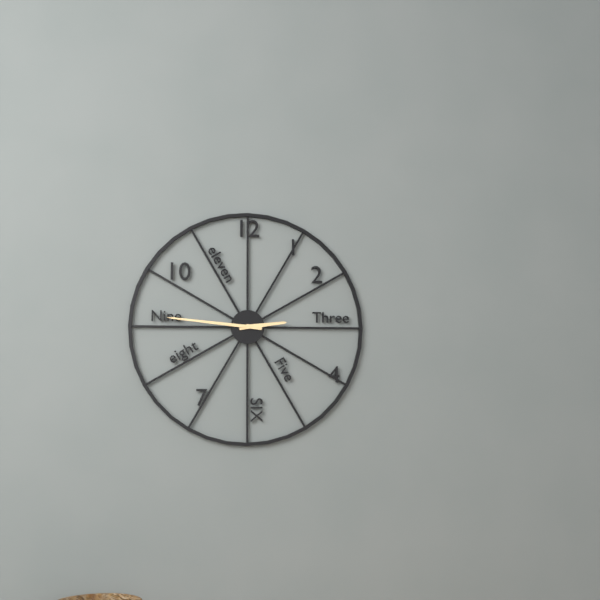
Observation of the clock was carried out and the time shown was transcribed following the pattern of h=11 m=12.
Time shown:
h=2 m=46
